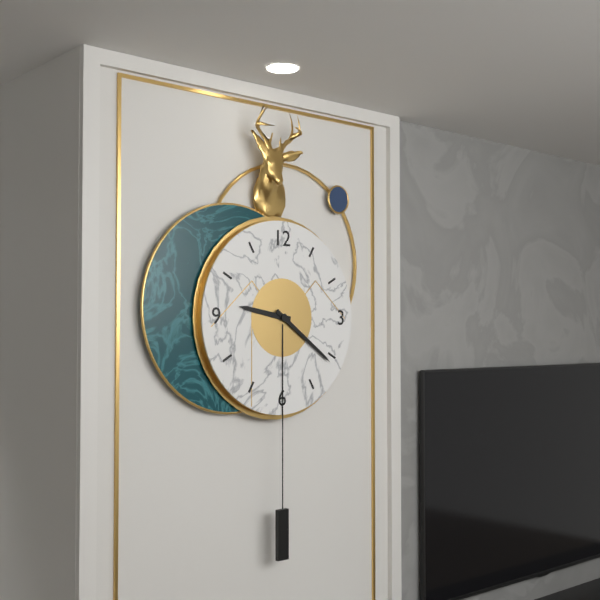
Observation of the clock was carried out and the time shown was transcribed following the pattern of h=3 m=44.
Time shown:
h=9 m=21
